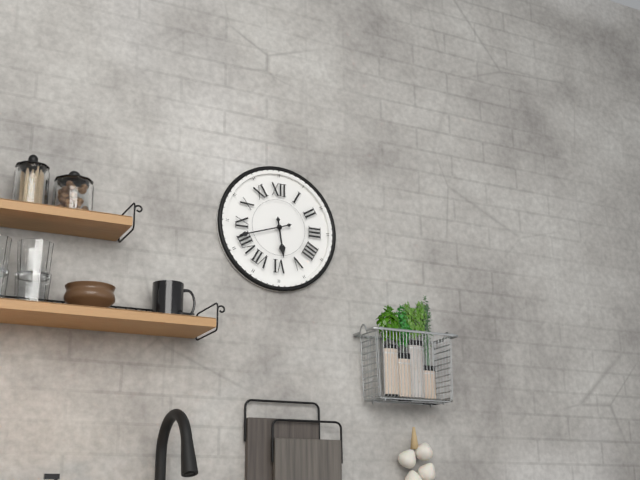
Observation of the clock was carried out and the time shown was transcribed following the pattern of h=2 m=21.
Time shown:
h=5 m=42
